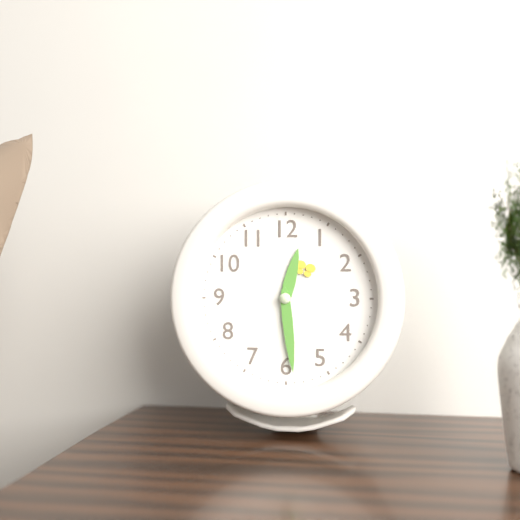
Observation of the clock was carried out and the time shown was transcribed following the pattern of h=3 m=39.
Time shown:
h=12 m=29
